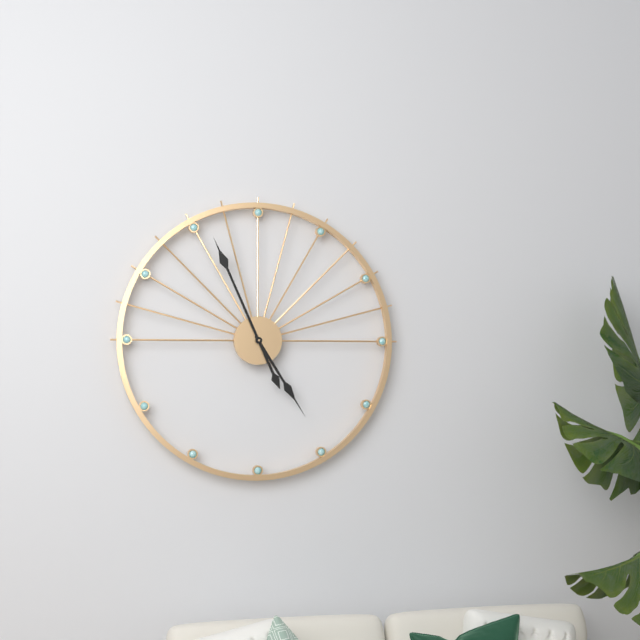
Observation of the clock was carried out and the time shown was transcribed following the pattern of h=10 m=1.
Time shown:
h=4 m=56
